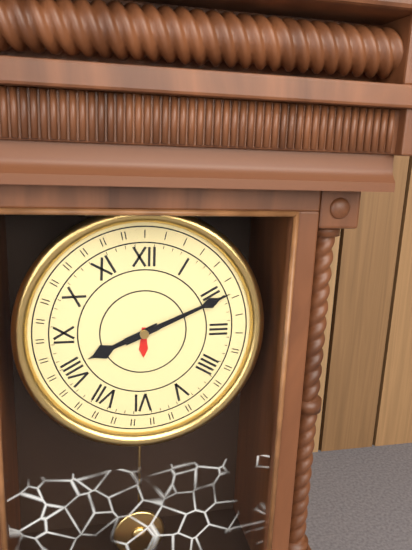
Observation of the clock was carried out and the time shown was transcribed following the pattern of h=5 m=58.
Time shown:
h=8 m=11
